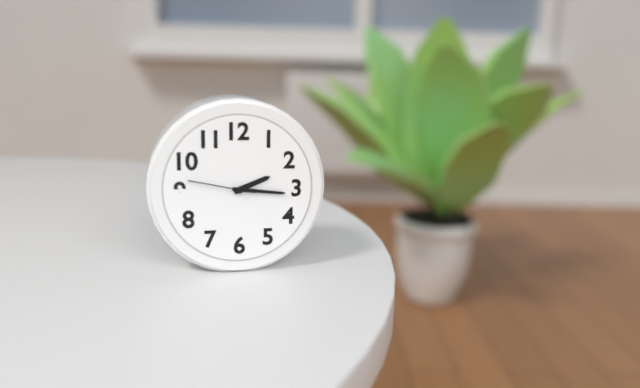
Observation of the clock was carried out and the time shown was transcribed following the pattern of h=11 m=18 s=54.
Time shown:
h=2 m=16 s=47
